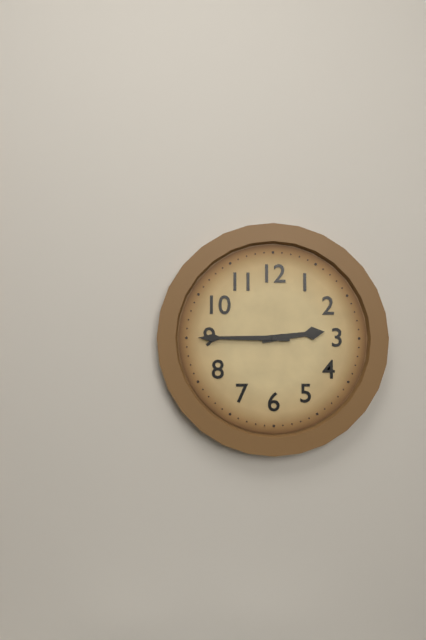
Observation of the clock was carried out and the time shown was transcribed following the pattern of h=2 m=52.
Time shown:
h=2 m=45
